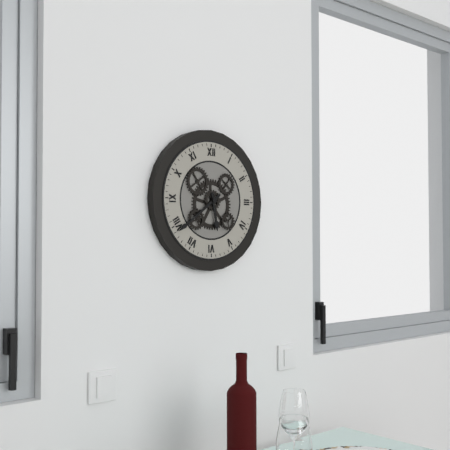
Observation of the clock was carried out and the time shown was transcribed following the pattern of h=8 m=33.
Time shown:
h=5 m=39
